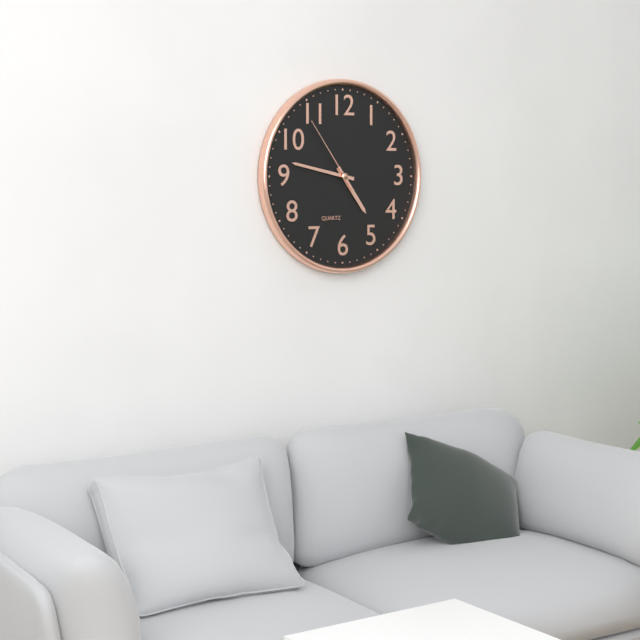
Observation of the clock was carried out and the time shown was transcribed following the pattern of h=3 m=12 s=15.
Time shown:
h=4 m=47 s=54
